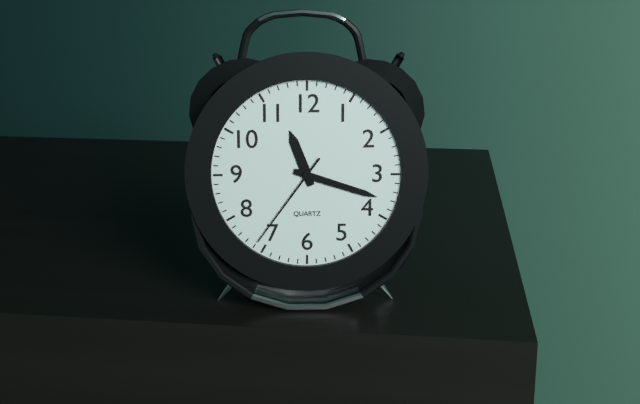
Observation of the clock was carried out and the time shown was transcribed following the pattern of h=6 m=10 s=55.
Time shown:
h=11 m=18 s=36
